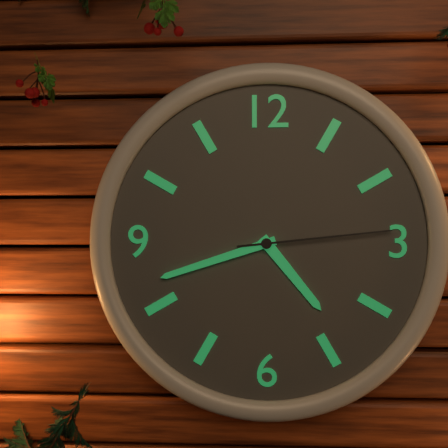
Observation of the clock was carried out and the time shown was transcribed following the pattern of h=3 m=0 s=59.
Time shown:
h=4 m=42 s=14
